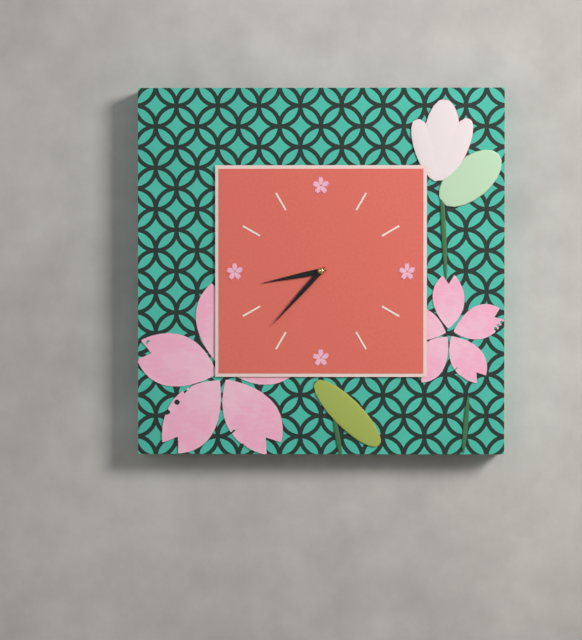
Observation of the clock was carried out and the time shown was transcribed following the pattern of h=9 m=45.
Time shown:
h=8 m=37
